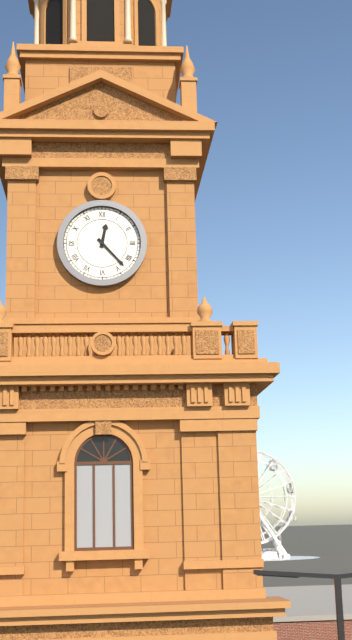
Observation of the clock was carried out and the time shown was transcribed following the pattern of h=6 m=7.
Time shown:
h=12 m=23
